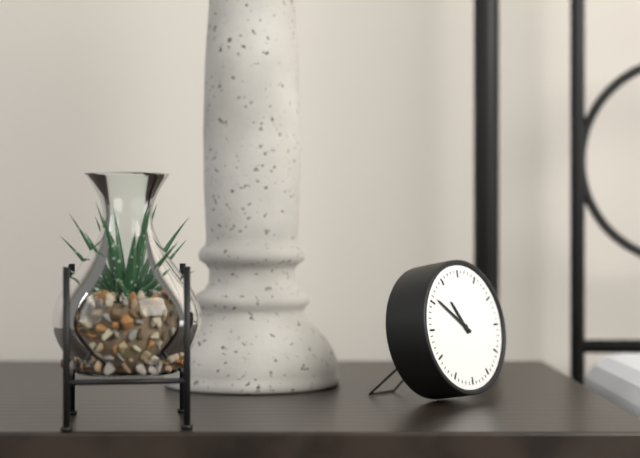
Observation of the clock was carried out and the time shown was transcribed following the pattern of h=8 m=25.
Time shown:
h=10 m=51
